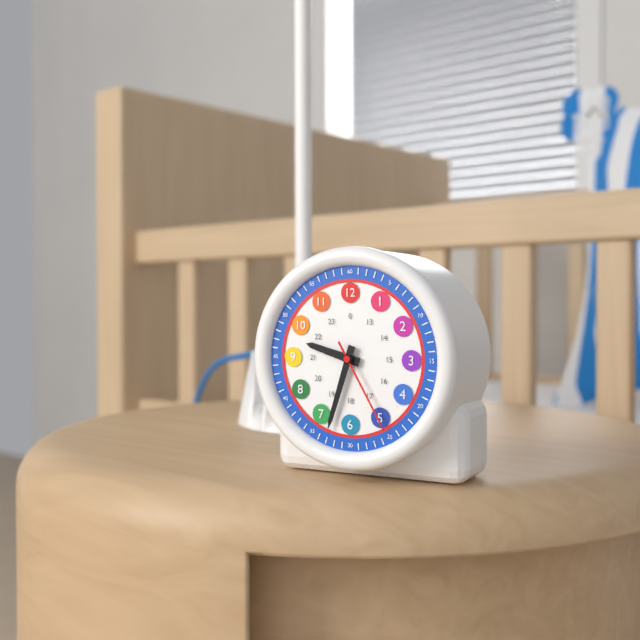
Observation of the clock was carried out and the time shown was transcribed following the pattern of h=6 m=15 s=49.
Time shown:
h=9 m=33 s=25
